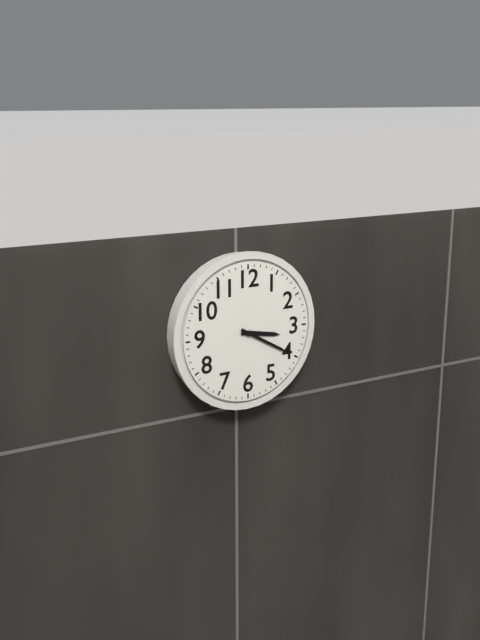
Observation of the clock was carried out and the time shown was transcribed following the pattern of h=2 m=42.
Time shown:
h=3 m=20
